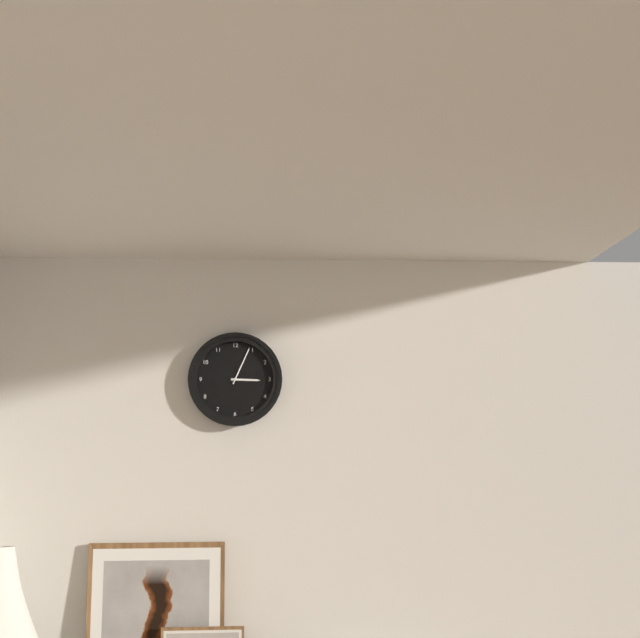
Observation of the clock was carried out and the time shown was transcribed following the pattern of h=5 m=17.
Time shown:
h=3 m=4
